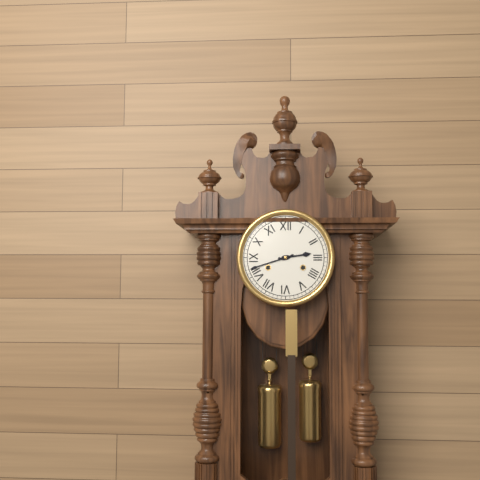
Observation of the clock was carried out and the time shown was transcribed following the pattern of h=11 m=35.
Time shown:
h=2 m=42
